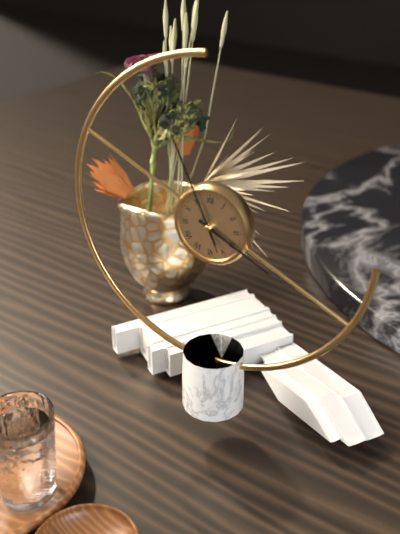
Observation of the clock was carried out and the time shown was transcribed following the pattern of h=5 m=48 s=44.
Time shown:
h=3 m=56 s=56
